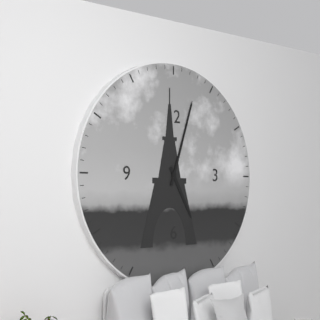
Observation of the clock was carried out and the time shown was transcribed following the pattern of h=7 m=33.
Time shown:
h=5 m=3
